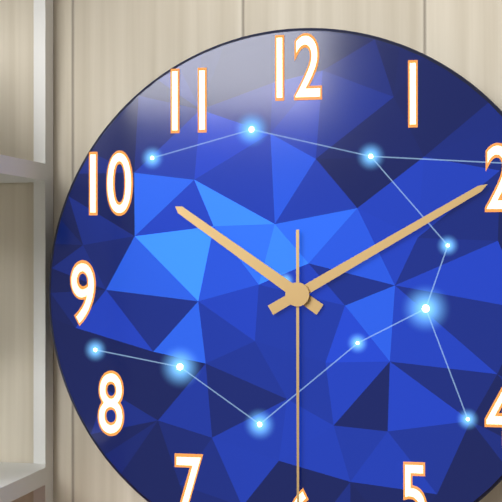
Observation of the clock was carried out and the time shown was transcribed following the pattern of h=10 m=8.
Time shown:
h=10 m=10
